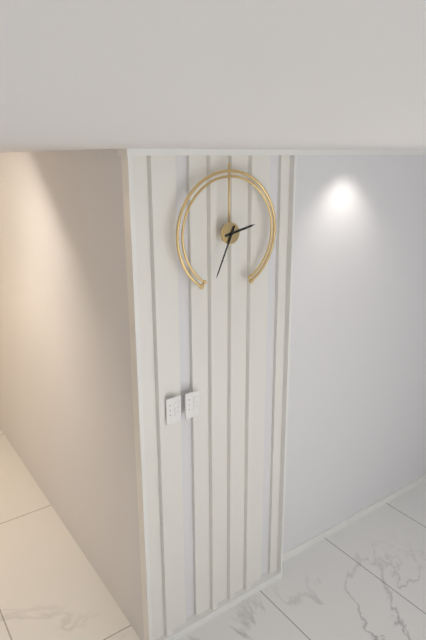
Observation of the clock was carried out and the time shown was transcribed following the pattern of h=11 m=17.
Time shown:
h=2 m=34
